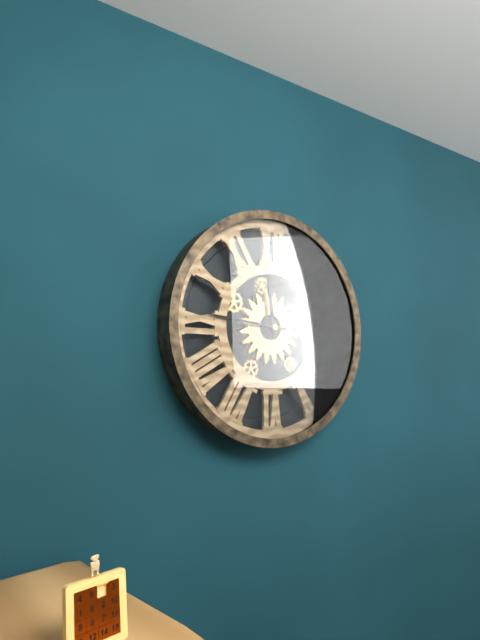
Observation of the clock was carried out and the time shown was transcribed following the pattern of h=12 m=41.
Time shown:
h=11 m=46
